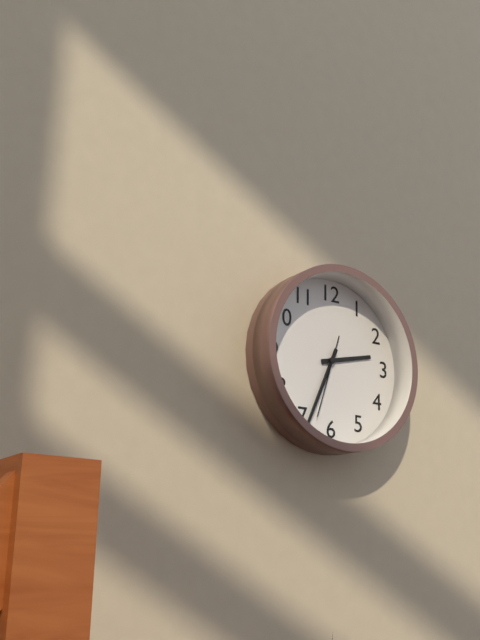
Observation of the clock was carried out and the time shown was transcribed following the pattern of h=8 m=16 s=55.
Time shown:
h=2 m=34 s=33
